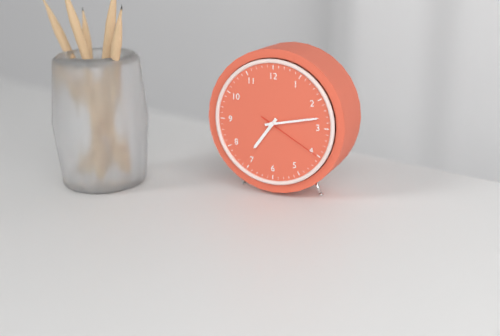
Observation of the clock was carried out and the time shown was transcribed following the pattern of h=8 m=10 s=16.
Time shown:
h=7 m=13 s=20
